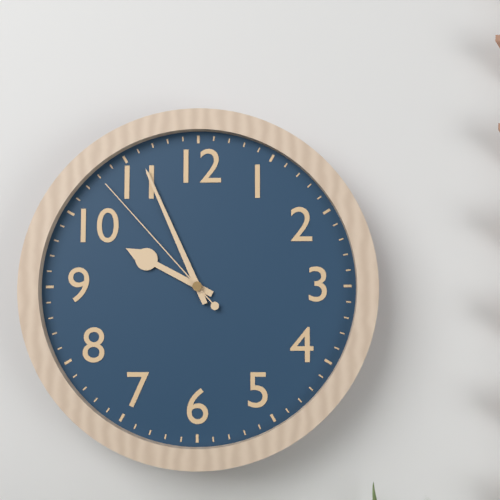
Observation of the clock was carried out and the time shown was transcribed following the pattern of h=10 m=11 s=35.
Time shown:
h=9 m=56 s=53
